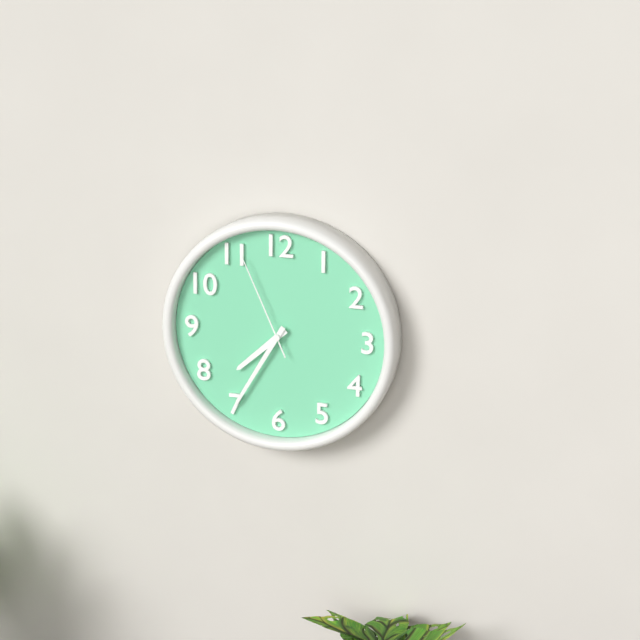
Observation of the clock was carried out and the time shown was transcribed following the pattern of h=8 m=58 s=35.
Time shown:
h=7 m=35 s=56
